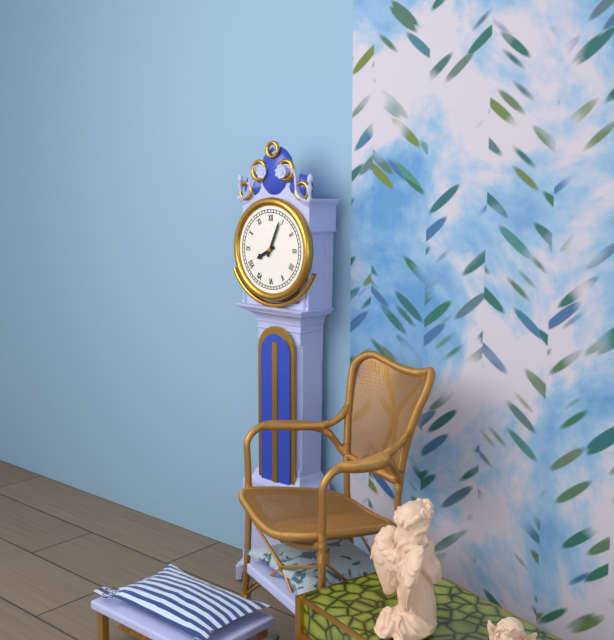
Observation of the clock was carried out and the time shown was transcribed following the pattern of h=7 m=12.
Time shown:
h=8 m=4
